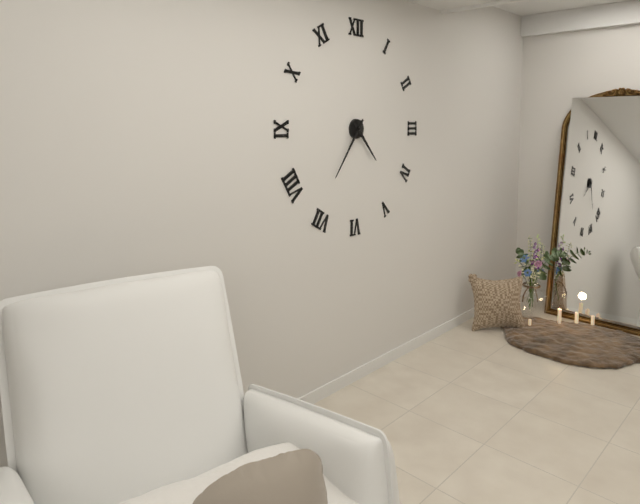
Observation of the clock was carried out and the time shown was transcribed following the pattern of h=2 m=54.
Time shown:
h=4 m=36
